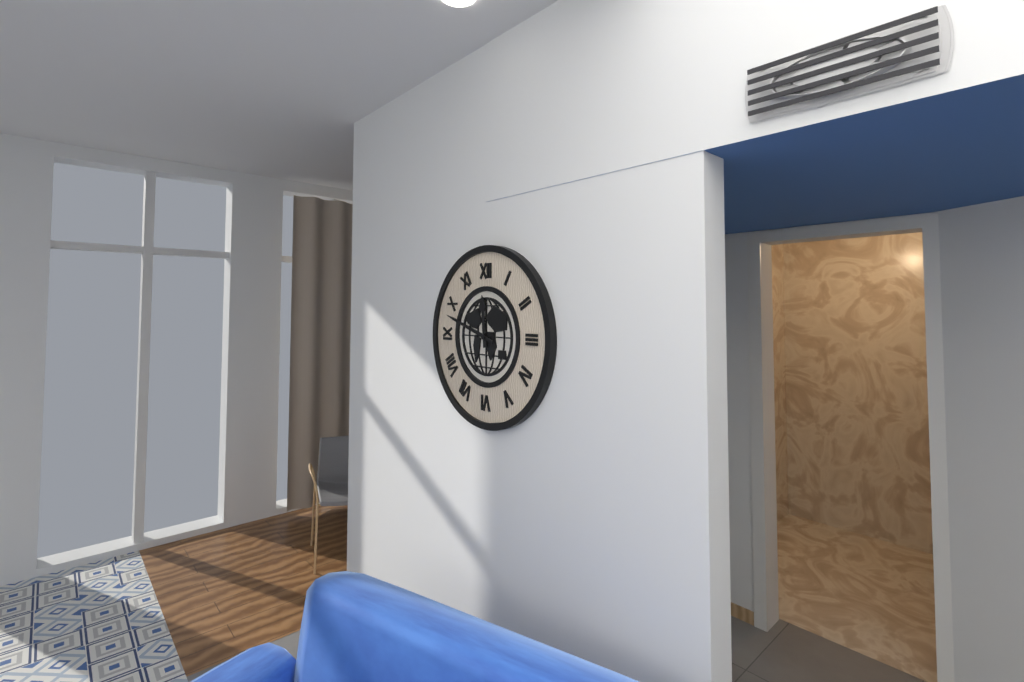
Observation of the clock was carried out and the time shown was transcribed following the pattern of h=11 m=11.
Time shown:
h=11 m=48
